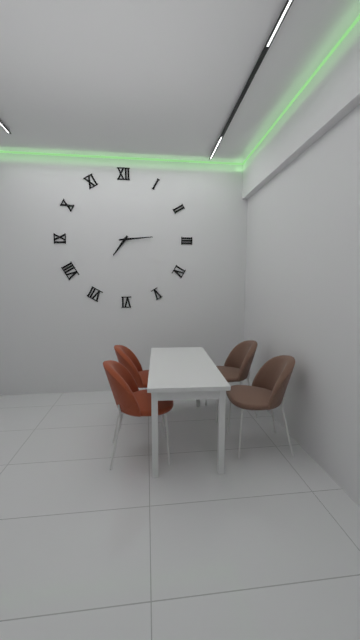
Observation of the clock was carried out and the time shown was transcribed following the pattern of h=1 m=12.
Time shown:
h=7 m=14
